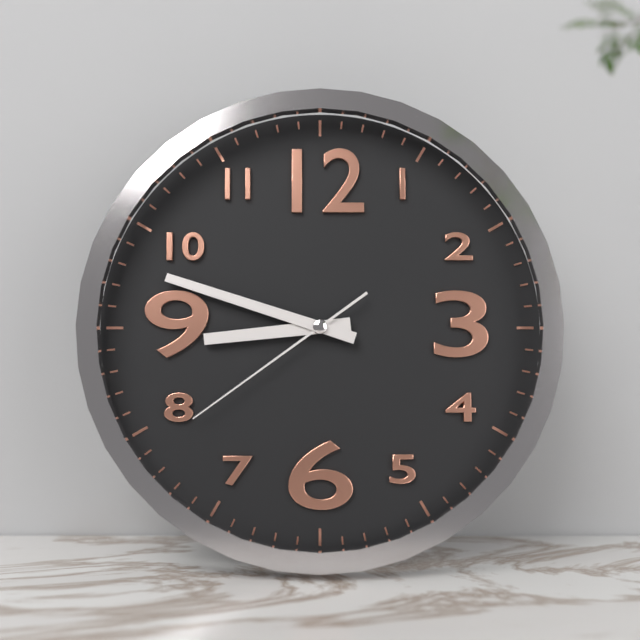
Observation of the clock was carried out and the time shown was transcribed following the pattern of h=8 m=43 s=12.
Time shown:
h=8 m=48 s=39
